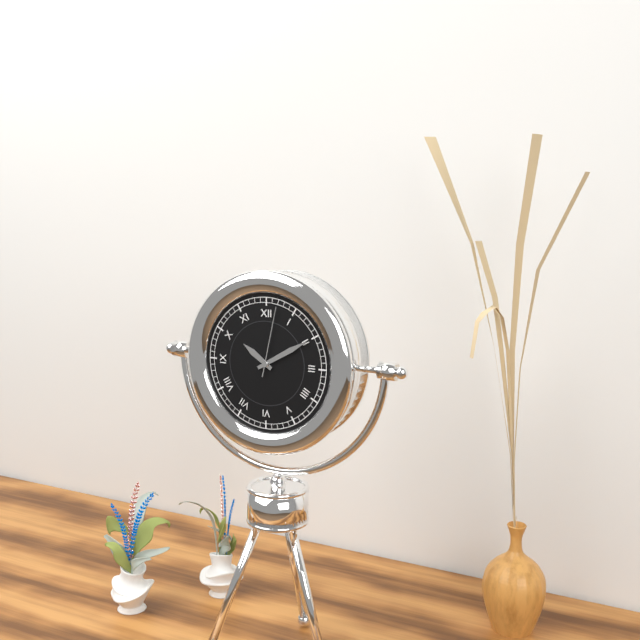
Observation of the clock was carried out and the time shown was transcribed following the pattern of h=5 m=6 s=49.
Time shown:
h=10 m=10 s=2
